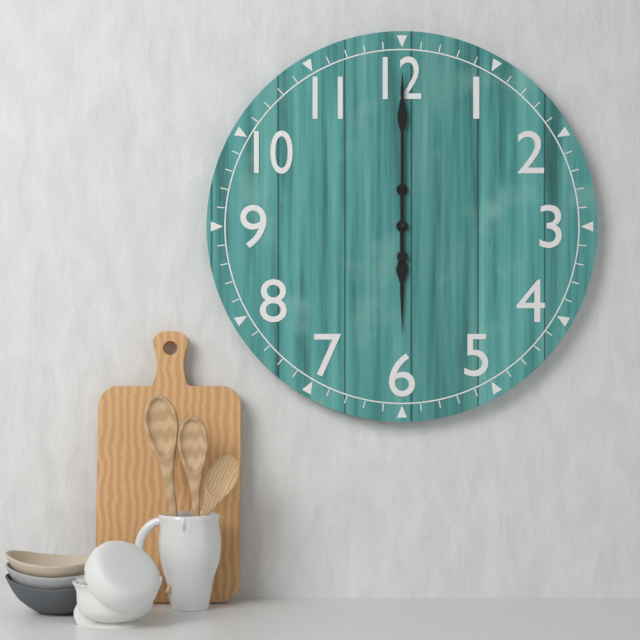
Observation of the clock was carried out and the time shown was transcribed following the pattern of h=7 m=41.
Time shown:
h=6 m=0
